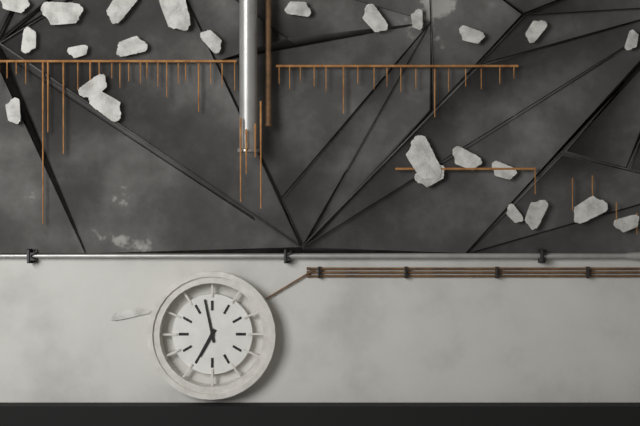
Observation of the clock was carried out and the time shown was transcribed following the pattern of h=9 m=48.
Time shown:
h=6 m=58
